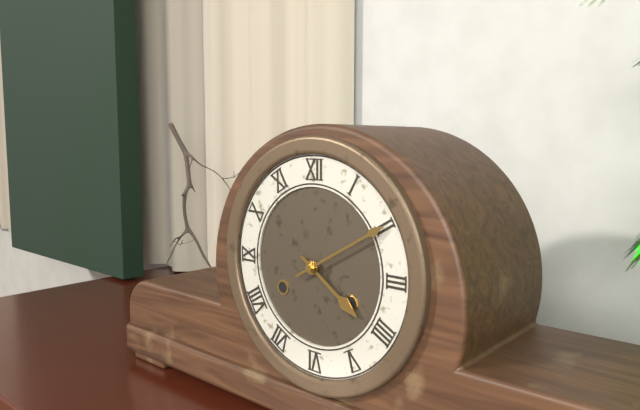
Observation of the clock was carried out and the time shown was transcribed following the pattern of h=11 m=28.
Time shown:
h=4 m=10
